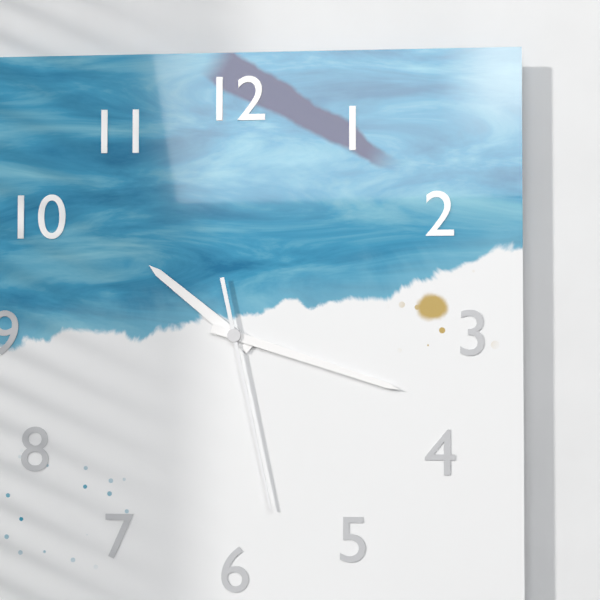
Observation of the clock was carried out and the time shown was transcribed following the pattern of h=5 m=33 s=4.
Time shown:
h=10 m=18 s=28
